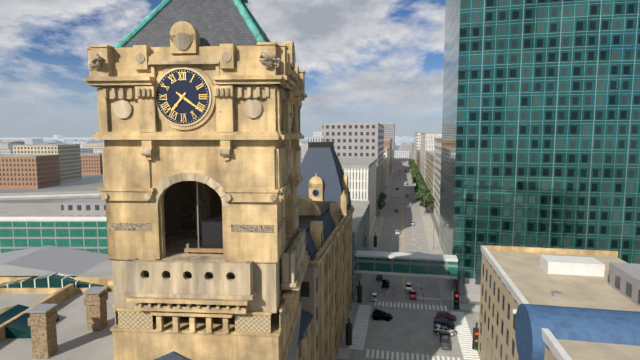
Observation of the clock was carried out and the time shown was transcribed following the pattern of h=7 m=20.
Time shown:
h=7 m=21
